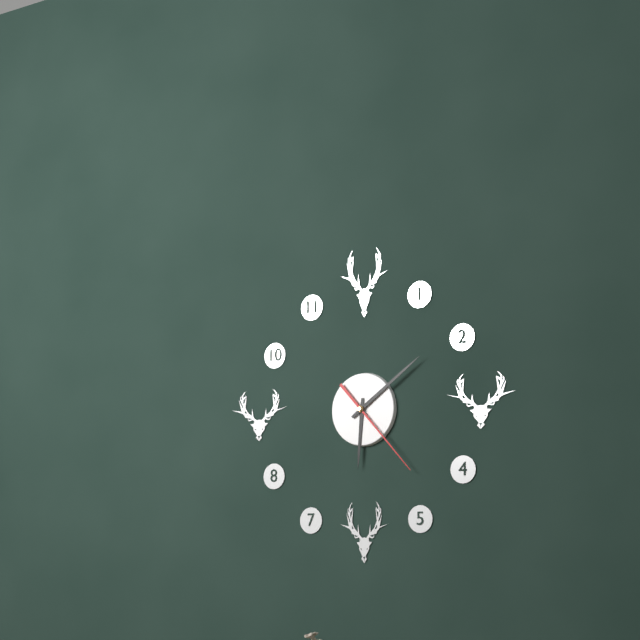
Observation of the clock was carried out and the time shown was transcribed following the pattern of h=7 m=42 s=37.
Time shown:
h=6 m=9 s=23
